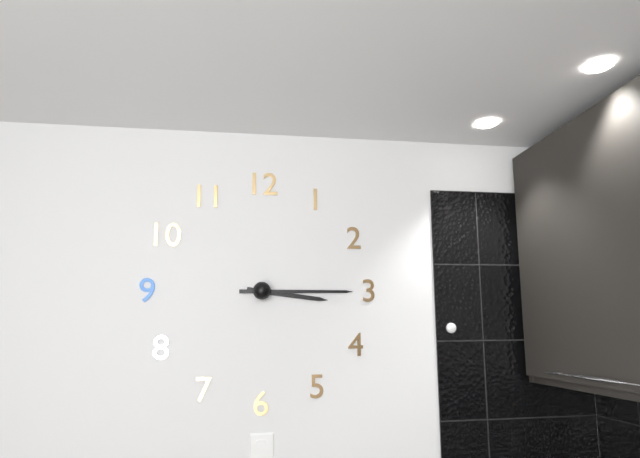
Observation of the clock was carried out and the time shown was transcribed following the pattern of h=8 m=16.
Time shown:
h=3 m=15
